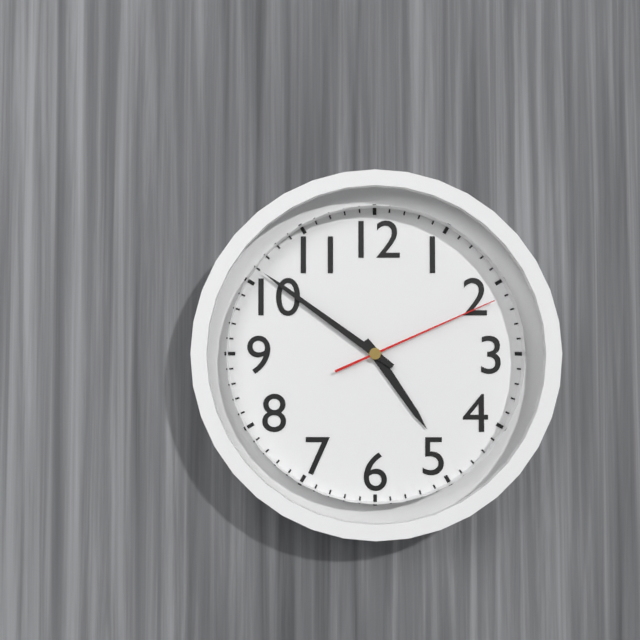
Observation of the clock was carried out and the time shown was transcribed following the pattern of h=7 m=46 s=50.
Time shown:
h=4 m=51 s=11
